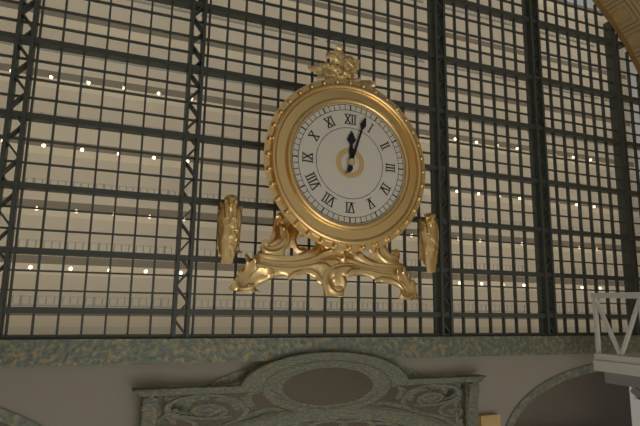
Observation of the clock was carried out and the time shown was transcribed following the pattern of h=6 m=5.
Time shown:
h=12 m=3
